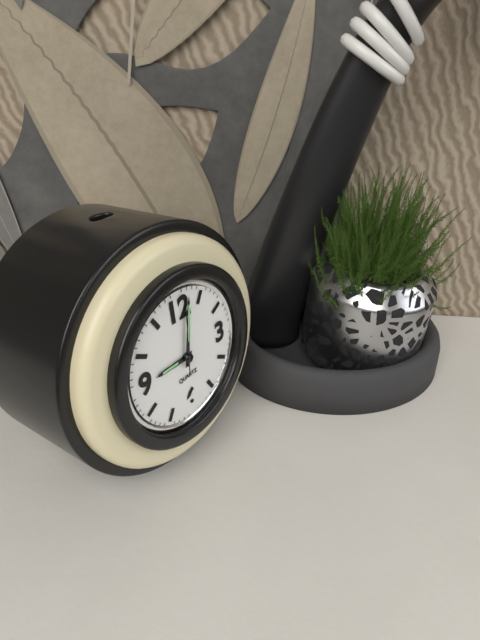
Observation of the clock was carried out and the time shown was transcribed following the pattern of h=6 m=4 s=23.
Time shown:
h=9 m=2 s=1
